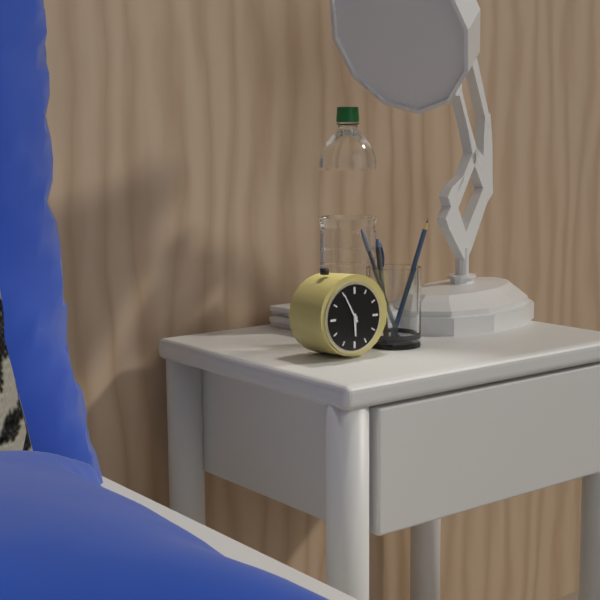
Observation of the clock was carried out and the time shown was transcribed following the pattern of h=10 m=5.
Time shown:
h=5 m=55
